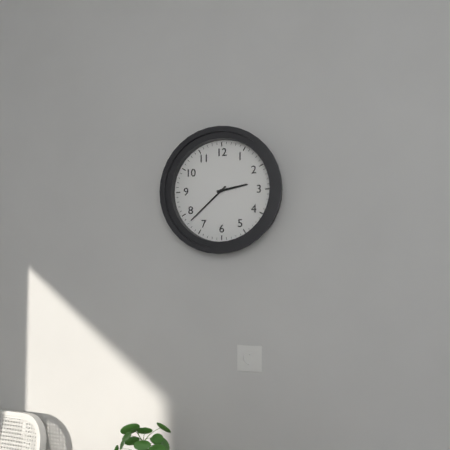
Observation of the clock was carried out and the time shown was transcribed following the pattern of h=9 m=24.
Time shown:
h=2 m=38
